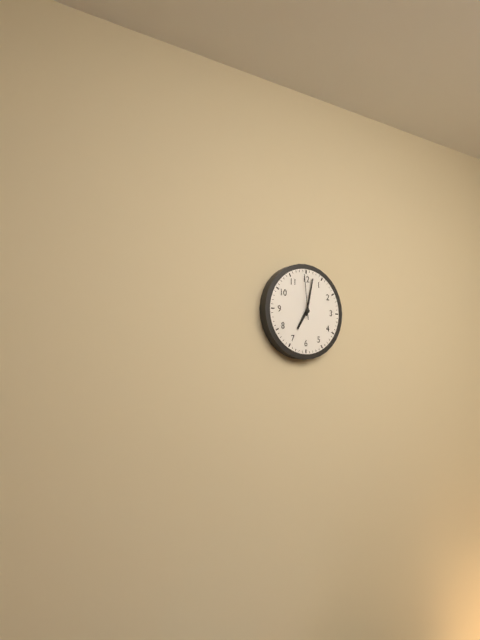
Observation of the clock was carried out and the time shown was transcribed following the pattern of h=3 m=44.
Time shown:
h=7 m=2
